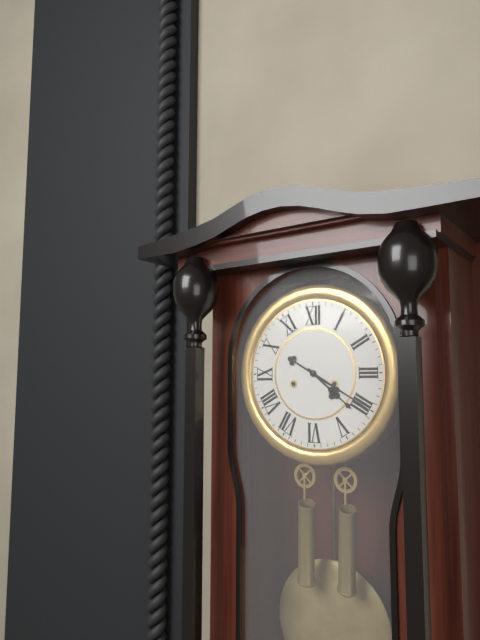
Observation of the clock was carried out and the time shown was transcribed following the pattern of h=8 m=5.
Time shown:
h=4 m=20
